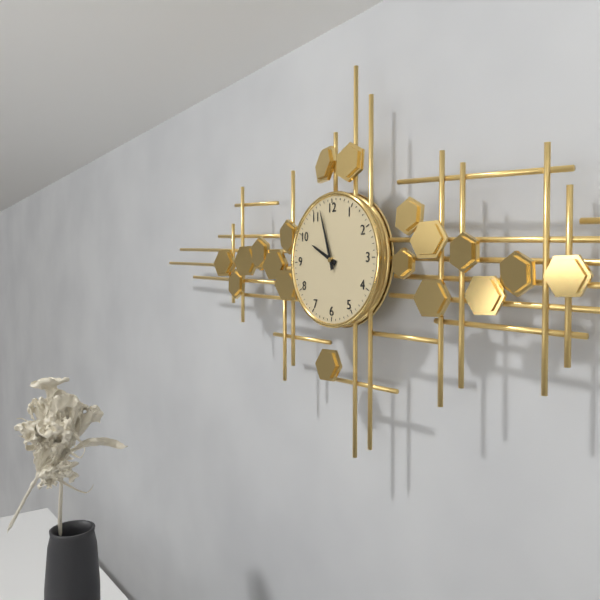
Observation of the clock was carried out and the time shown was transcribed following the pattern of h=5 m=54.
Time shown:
h=9 m=57
